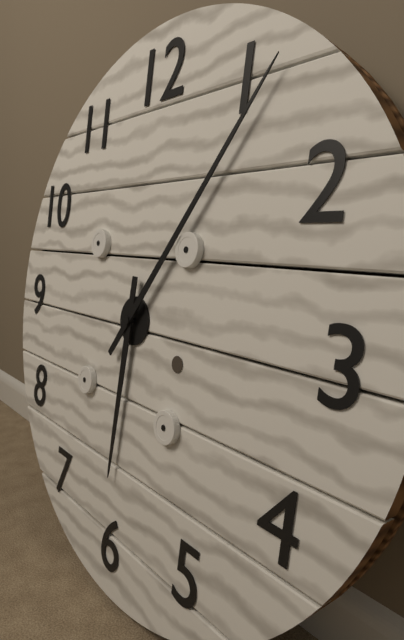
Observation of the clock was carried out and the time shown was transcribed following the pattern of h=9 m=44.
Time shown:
h=6 m=6
